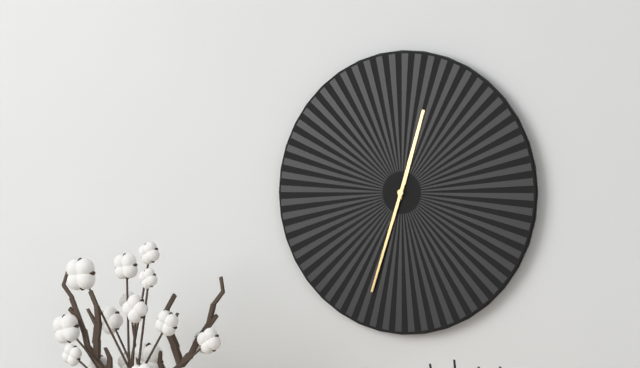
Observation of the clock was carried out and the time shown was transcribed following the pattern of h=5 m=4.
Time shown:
h=12 m=33
